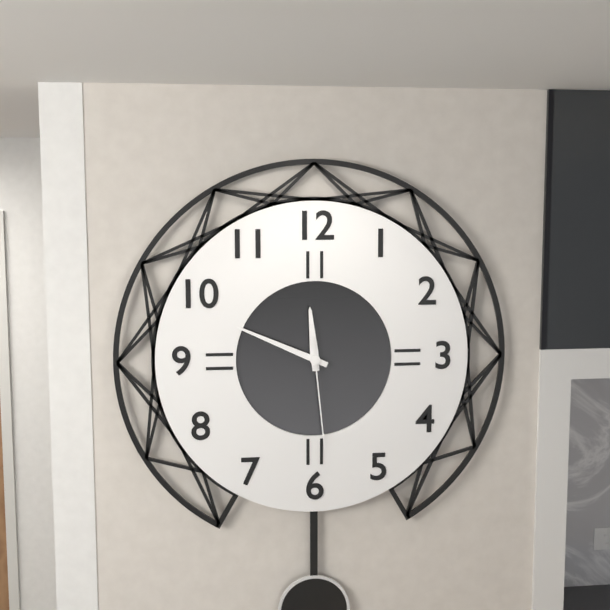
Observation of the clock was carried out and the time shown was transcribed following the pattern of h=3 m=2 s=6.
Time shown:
h=11 m=49 s=29
